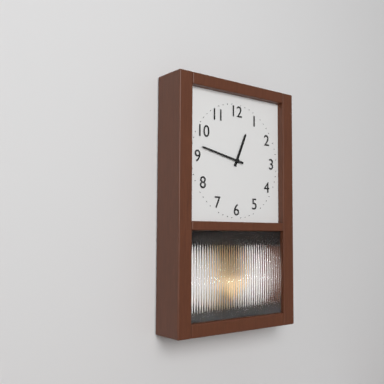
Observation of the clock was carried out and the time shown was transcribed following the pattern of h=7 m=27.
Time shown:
h=12 m=47
